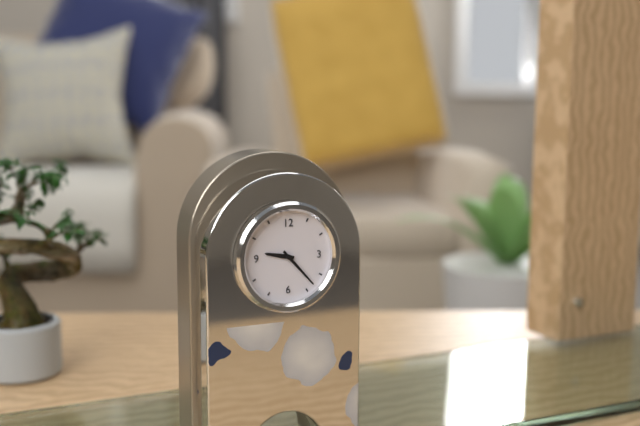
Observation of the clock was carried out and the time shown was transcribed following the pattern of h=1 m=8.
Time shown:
h=9 m=23
